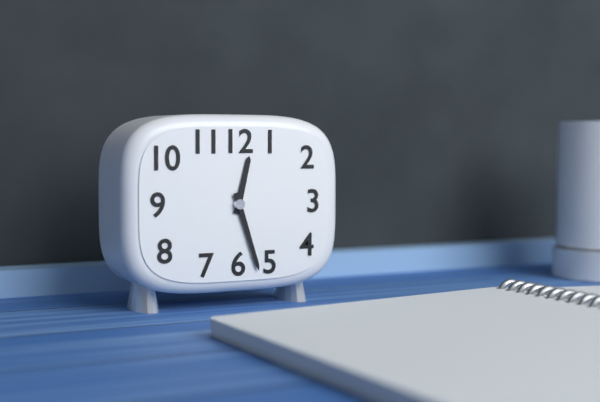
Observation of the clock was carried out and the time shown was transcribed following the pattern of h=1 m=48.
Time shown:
h=12 m=27
